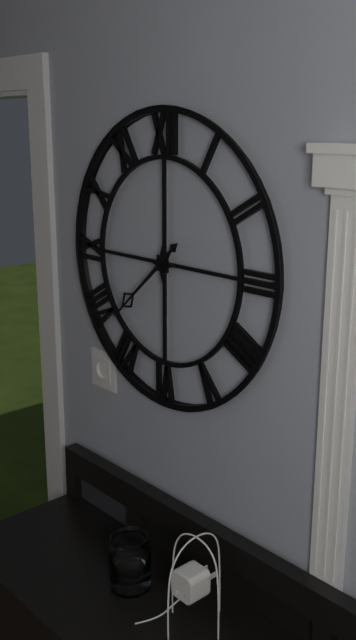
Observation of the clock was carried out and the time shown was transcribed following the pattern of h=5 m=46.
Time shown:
h=7 m=38
